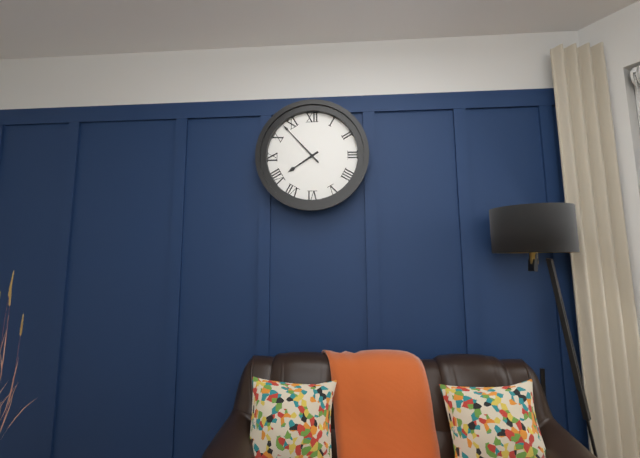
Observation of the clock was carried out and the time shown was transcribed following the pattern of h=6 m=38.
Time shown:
h=7 m=53
